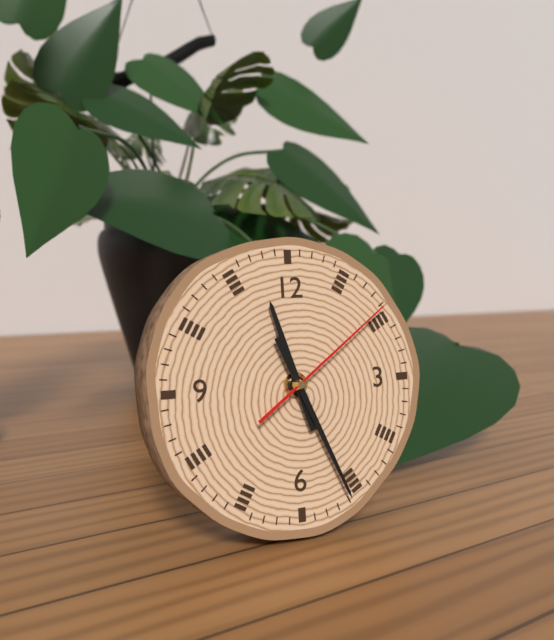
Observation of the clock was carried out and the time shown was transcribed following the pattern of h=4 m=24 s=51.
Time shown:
h=11 m=26 s=9
